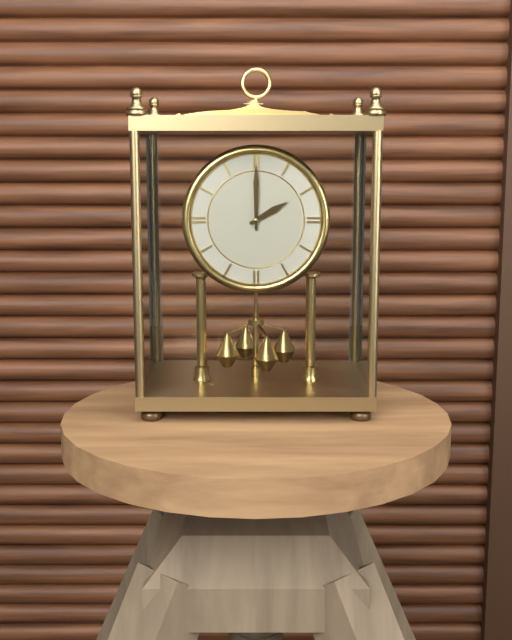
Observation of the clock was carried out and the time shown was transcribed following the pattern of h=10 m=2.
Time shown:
h=2 m=0
